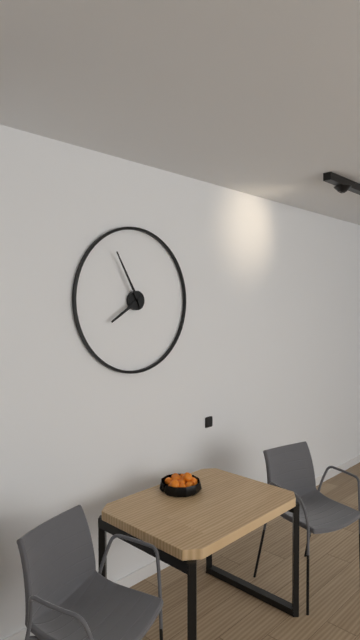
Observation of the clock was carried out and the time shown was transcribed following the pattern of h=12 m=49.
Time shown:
h=7 m=55
